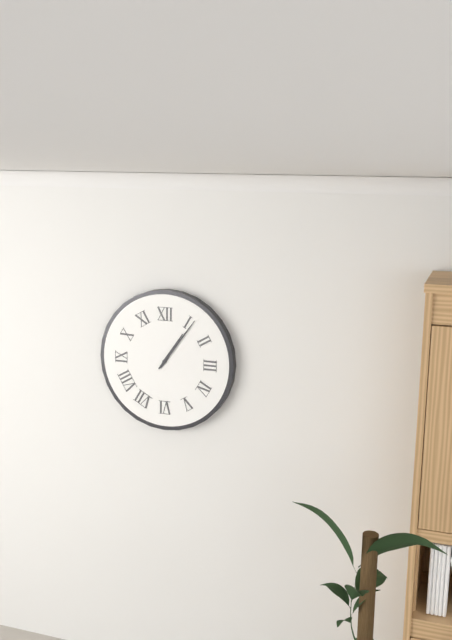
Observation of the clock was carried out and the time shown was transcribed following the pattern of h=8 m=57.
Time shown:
h=1 m=6
